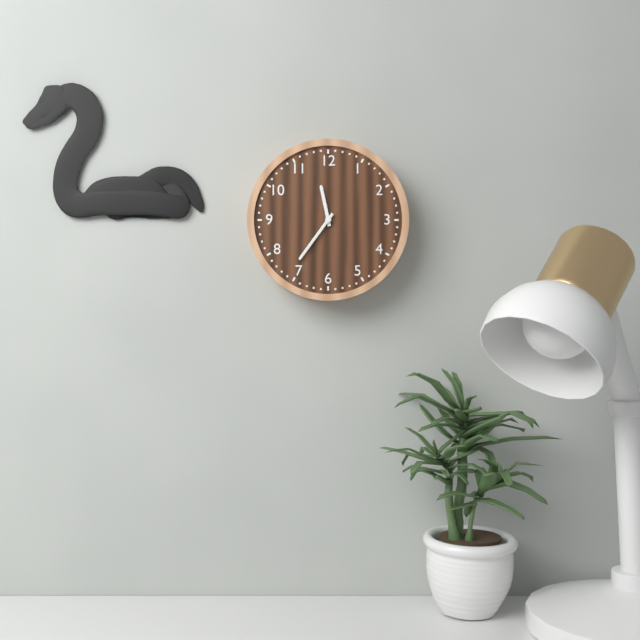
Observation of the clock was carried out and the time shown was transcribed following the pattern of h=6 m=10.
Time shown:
h=11 m=36
